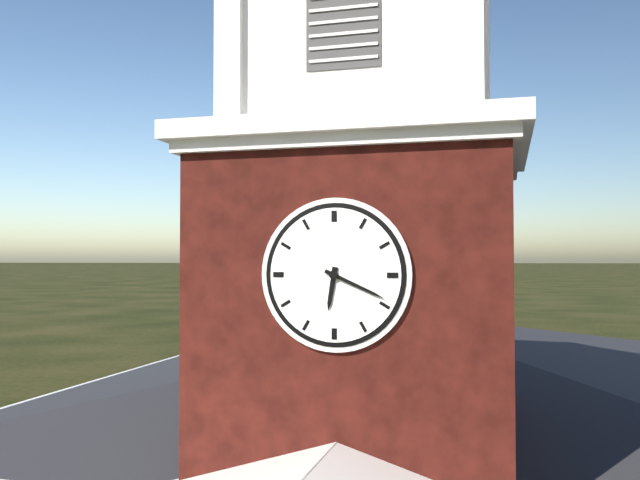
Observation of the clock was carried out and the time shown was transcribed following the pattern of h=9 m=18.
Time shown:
h=6 m=19
